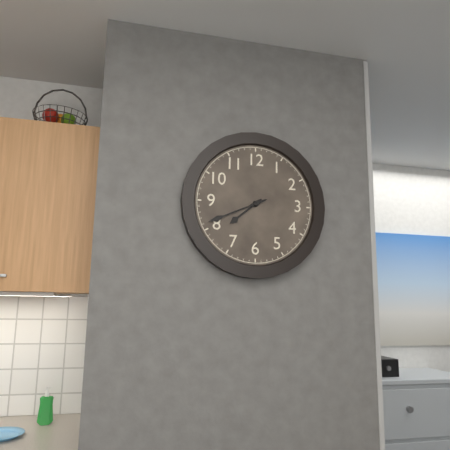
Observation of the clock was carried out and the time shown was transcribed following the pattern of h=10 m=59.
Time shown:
h=7 m=41
